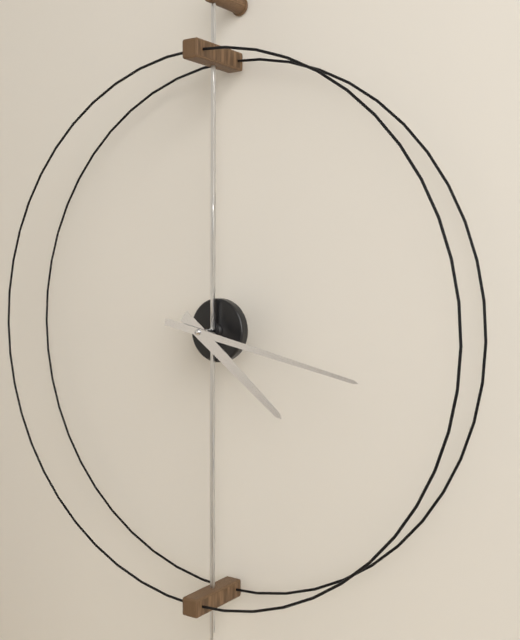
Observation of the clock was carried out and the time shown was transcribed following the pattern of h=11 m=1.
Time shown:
h=4 m=17
